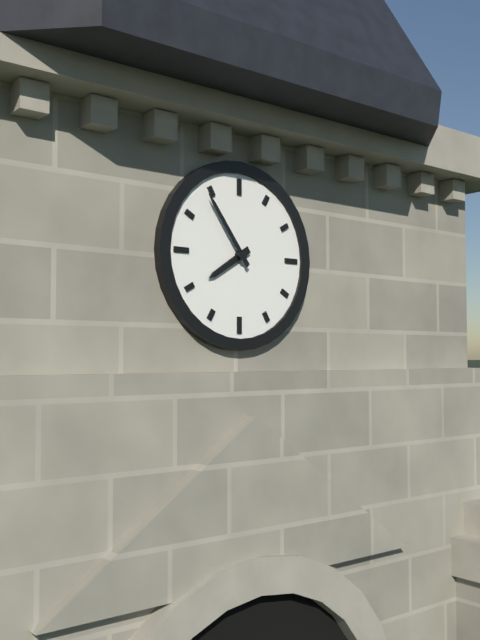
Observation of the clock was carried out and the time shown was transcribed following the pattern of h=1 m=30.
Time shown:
h=7 m=54
